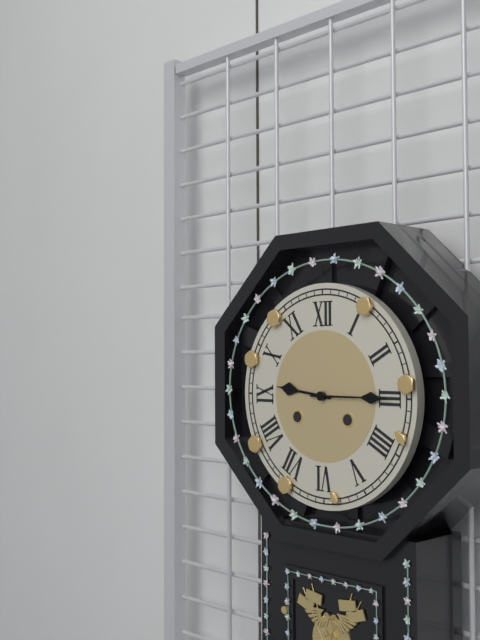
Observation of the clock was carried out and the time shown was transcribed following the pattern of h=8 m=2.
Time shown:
h=9 m=15
